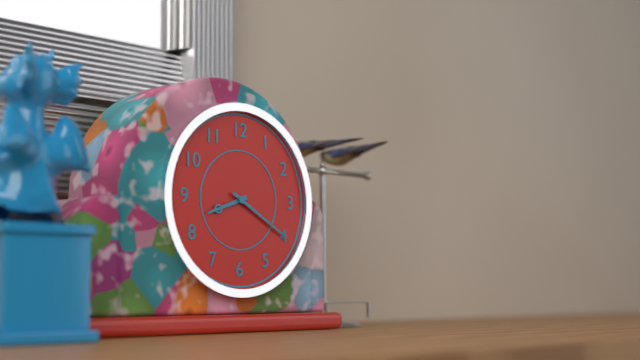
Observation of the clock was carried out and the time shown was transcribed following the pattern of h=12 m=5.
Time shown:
h=8 m=20
